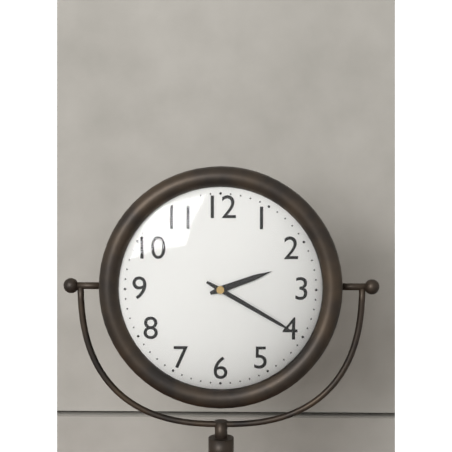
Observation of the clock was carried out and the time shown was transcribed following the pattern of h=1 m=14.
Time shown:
h=2 m=20
